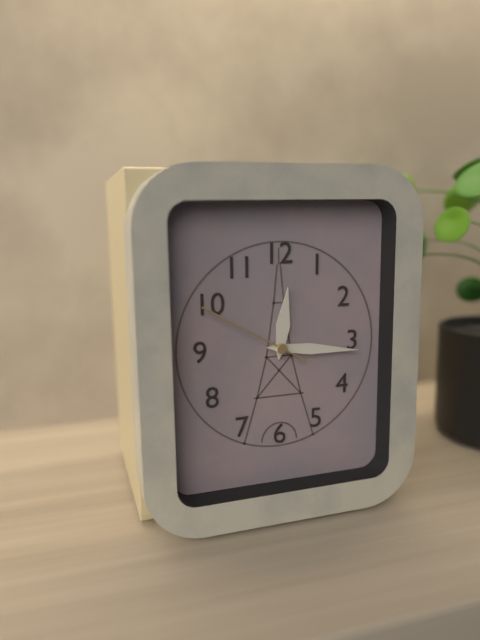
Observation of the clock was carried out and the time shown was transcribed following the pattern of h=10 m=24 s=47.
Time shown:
h=12 m=16 s=50
